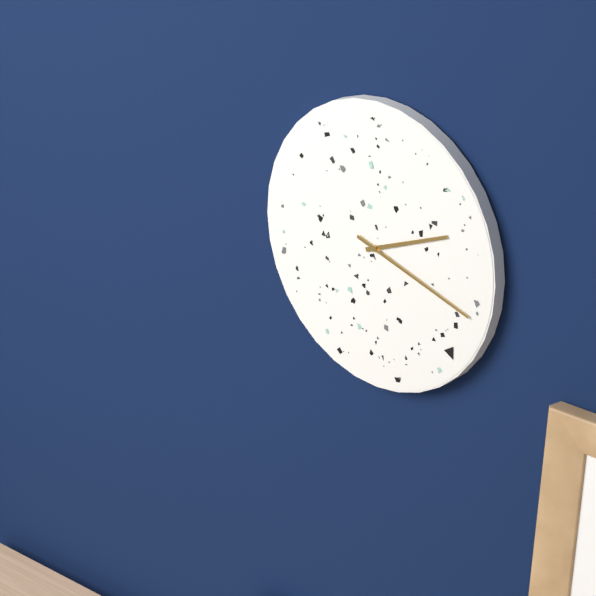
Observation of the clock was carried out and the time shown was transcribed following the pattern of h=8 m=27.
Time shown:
h=2 m=18
